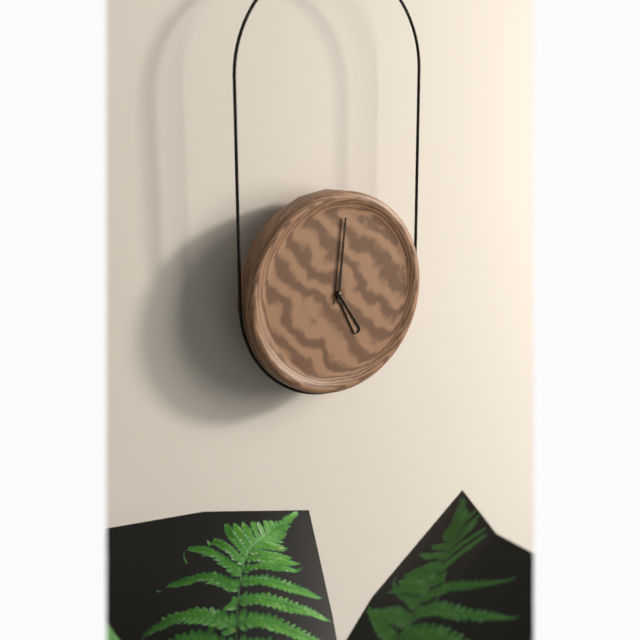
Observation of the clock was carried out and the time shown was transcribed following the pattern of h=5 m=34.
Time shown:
h=5 m=1
